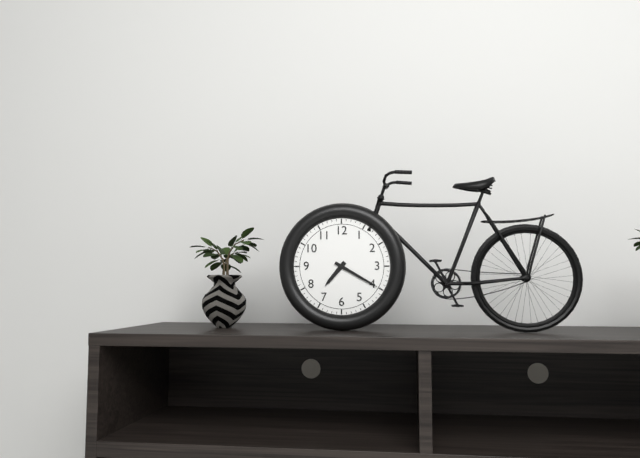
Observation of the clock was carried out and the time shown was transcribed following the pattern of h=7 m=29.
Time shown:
h=7 m=20
